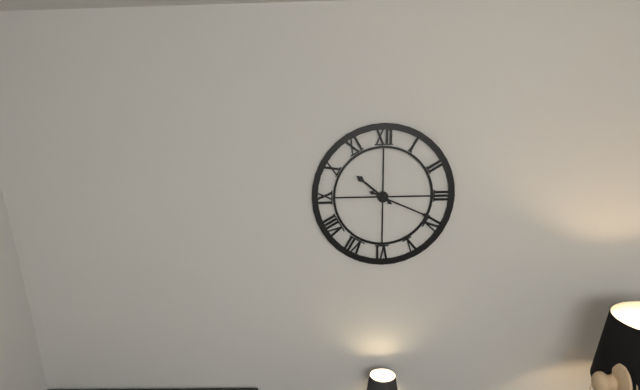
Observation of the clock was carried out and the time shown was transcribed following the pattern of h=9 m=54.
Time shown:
h=10 m=19
